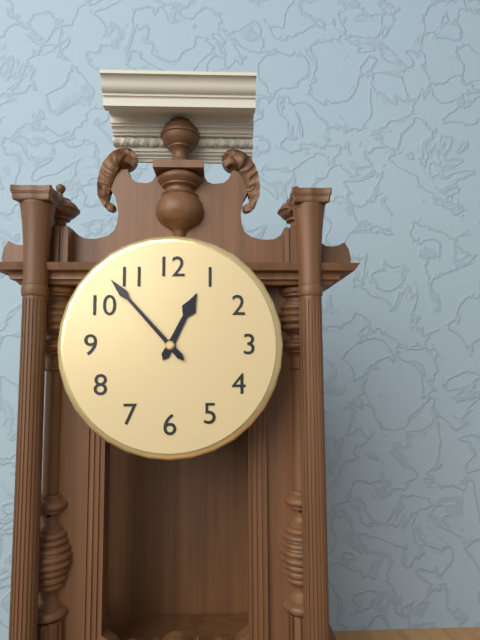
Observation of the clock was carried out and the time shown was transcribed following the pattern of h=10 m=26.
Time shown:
h=12 m=53
